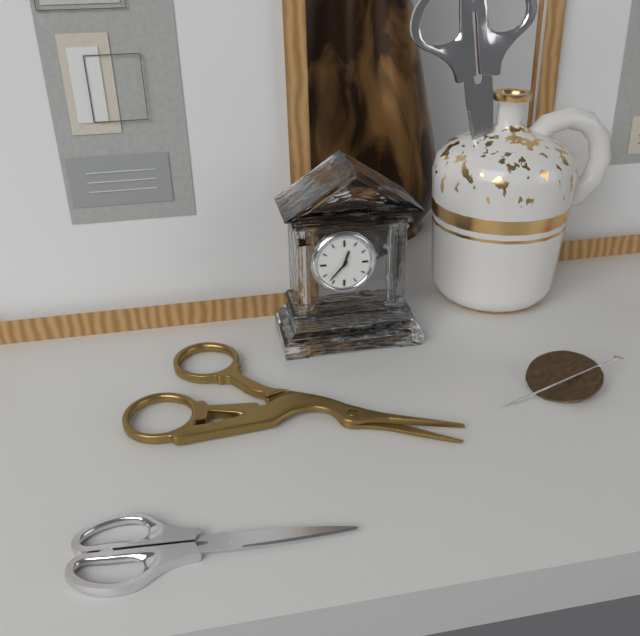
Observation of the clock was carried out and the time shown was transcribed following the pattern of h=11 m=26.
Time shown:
h=12 m=37
